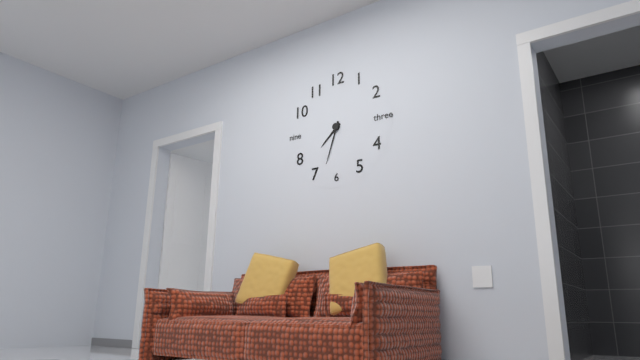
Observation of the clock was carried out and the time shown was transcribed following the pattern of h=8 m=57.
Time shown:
h=7 m=33
